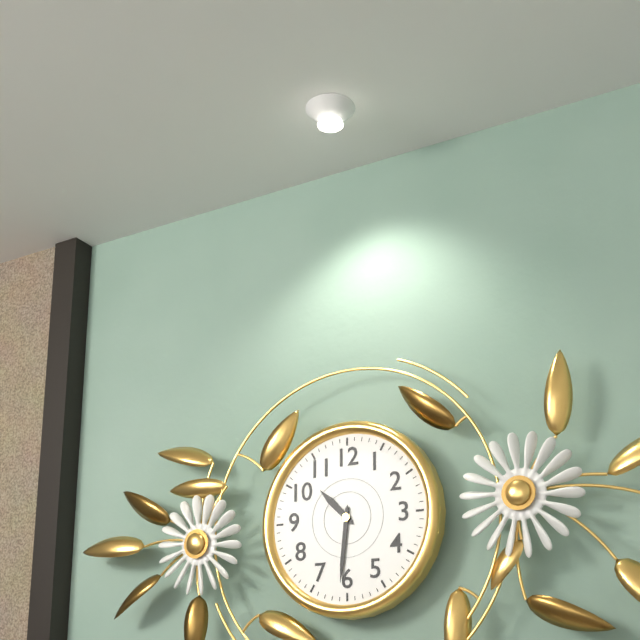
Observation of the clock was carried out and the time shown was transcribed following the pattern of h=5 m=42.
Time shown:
h=10 m=31
